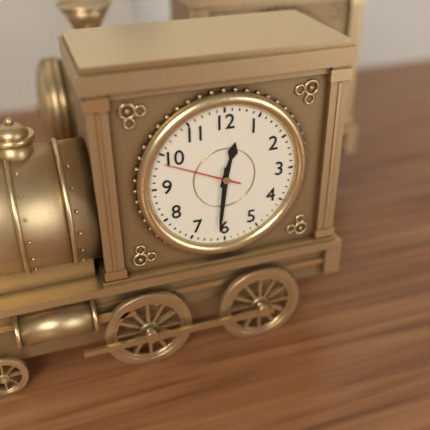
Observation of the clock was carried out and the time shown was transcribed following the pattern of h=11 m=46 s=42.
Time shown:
h=12 m=31 s=49
